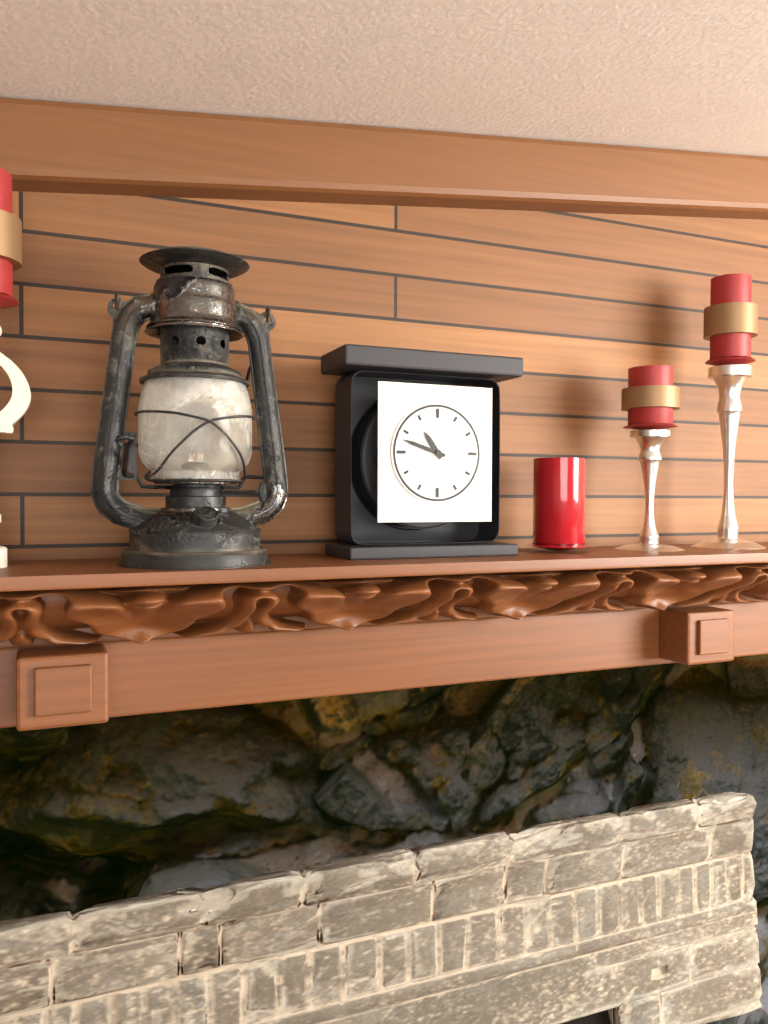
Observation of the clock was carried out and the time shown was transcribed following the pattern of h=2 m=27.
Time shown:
h=10 m=48
